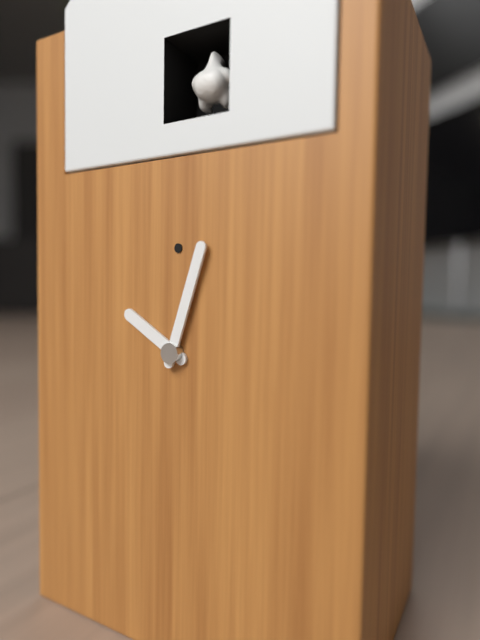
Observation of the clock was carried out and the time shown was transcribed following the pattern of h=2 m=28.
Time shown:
h=10 m=3
